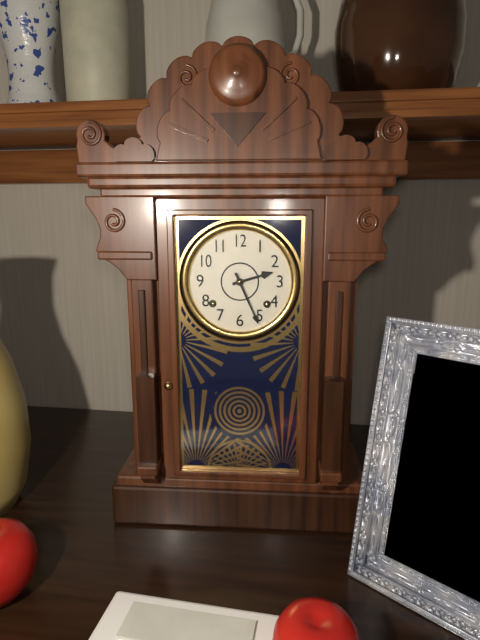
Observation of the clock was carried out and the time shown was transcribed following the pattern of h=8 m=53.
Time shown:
h=2 m=26
